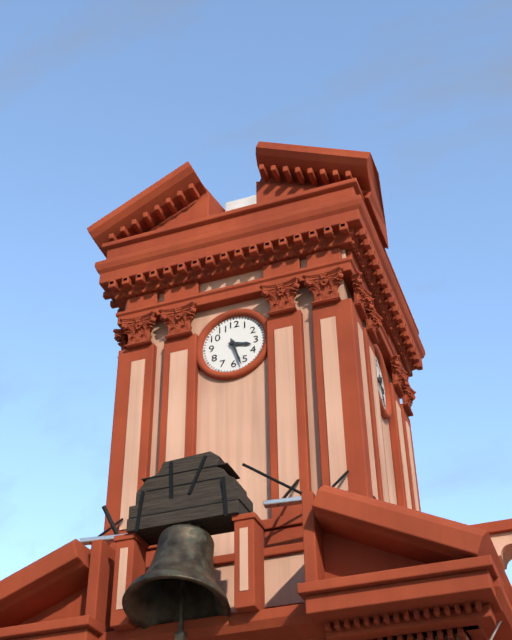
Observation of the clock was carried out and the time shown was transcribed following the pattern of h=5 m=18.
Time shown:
h=3 m=27
